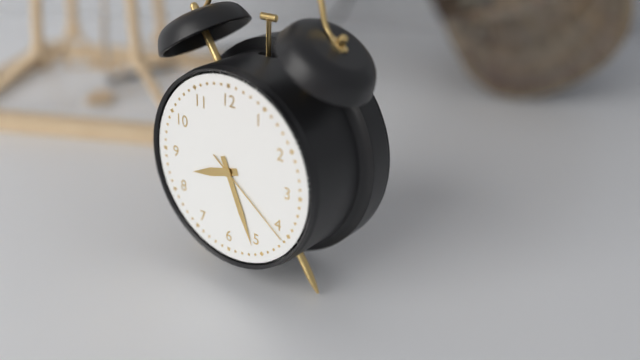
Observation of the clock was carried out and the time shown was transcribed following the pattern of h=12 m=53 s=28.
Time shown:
h=8 m=26 s=21
